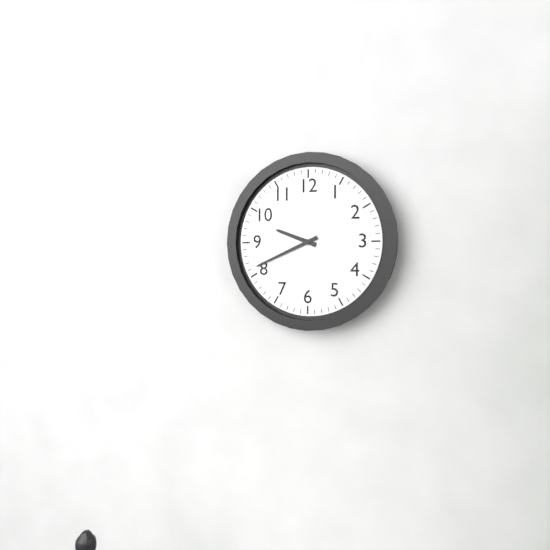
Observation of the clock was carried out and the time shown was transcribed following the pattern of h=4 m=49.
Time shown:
h=9 m=41
